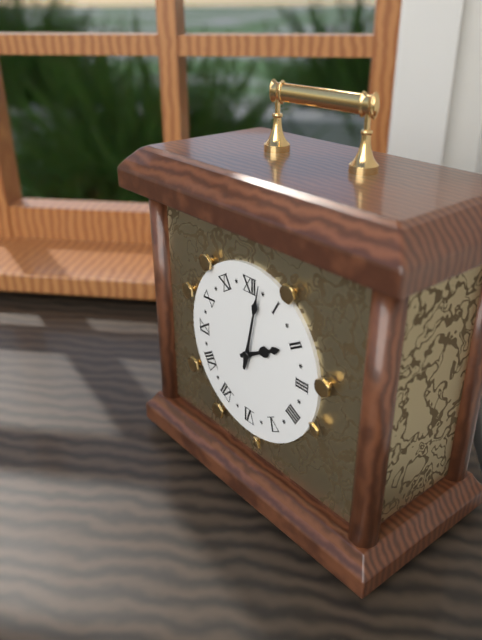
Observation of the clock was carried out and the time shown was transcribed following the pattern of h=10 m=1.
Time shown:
h=2 m=2
